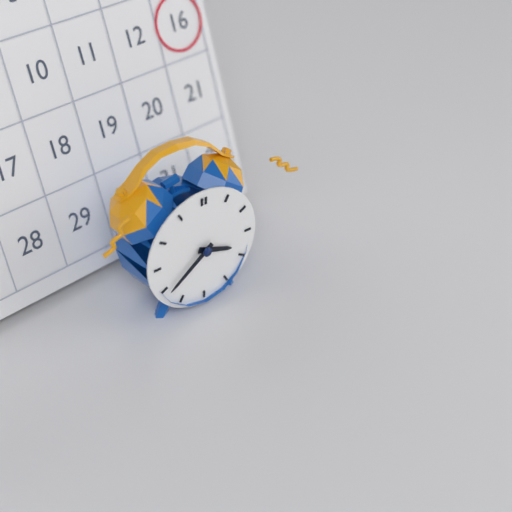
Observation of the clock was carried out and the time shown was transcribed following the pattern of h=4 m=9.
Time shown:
h=3 m=39
